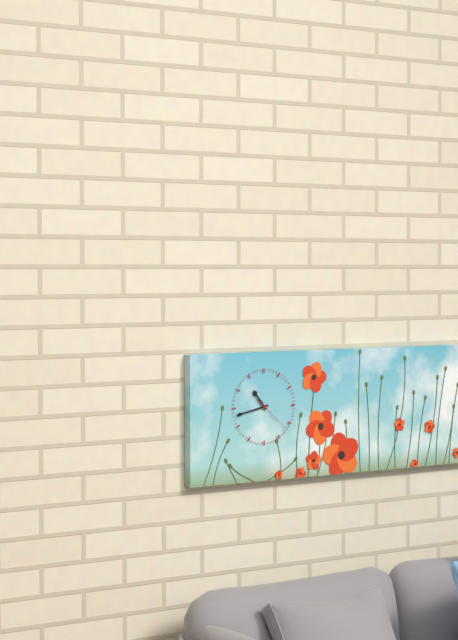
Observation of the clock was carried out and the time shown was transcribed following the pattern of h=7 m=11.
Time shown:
h=10 m=43
